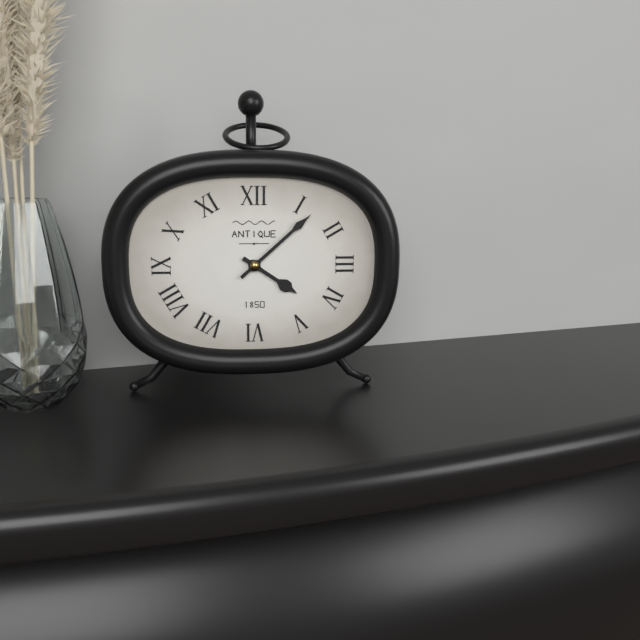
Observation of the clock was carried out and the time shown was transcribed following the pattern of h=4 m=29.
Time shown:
h=4 m=8
